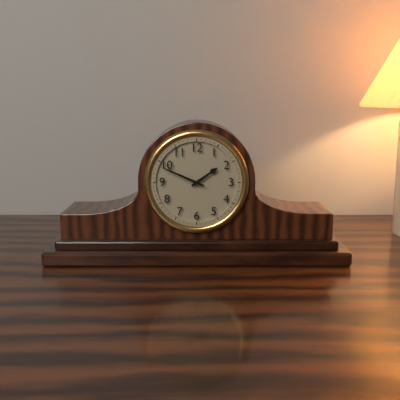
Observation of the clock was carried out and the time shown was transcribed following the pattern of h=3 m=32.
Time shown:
h=1 m=49
